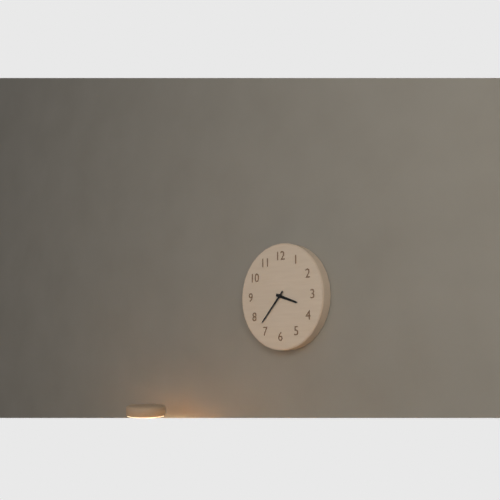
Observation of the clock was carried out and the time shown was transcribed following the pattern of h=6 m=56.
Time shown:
h=3 m=37
